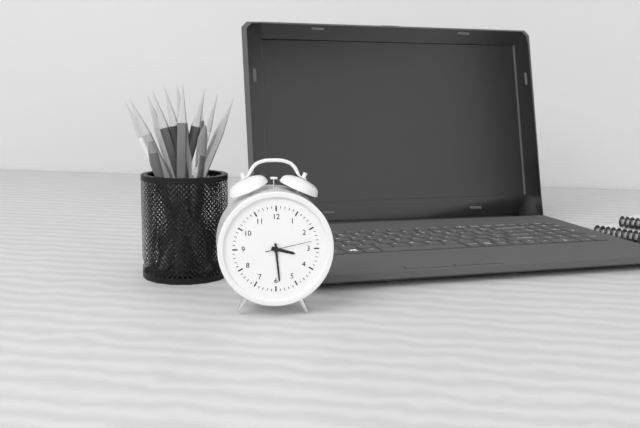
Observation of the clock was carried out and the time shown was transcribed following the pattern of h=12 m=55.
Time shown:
h=3 m=29
